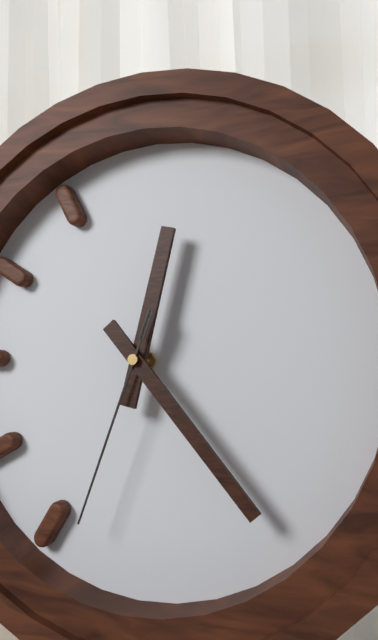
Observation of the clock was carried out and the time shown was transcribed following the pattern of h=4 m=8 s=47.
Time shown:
h=12 m=23 s=33
